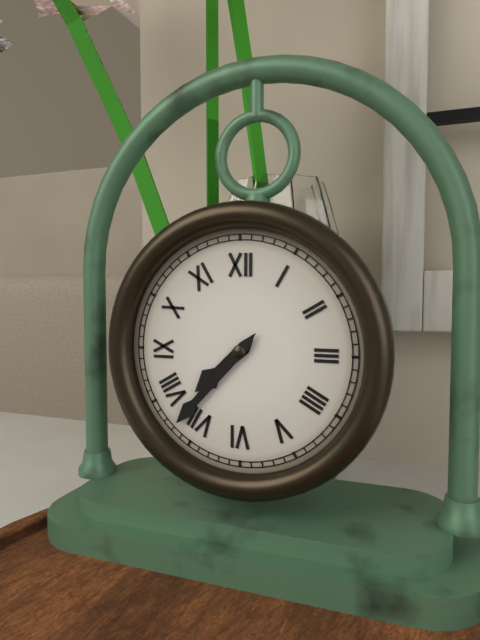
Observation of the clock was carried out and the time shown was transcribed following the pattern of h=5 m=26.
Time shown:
h=7 m=37
